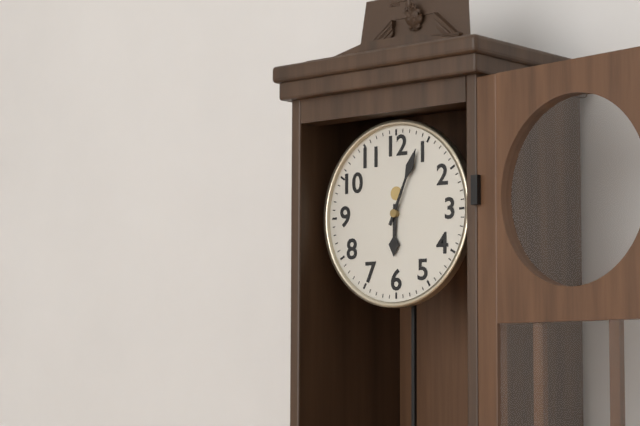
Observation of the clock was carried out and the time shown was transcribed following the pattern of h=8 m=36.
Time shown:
h=6 m=4
